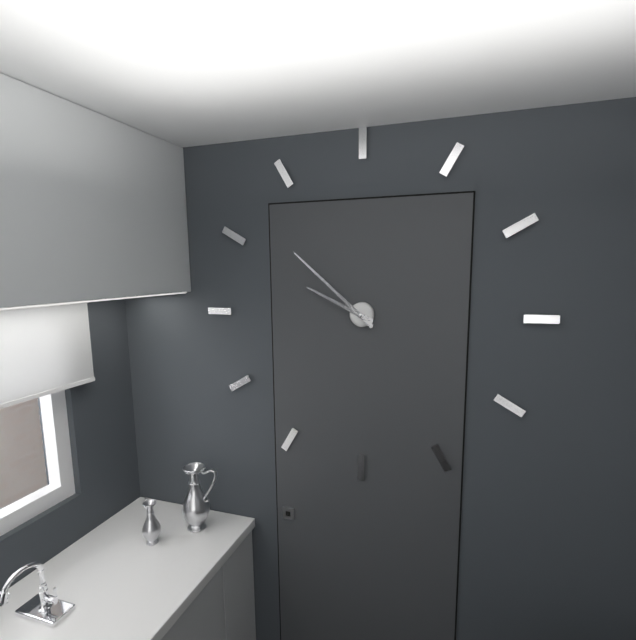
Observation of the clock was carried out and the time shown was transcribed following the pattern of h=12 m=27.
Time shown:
h=9 m=52
